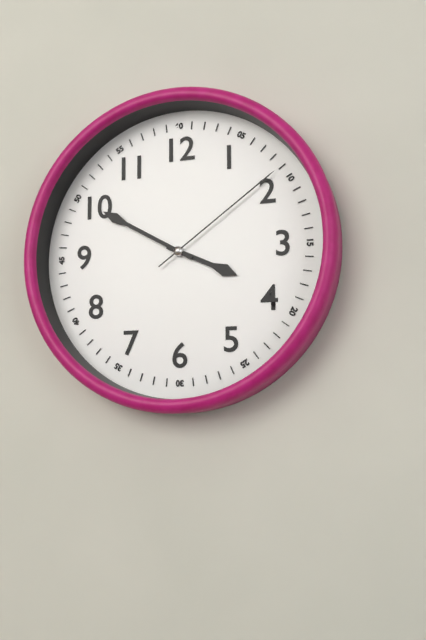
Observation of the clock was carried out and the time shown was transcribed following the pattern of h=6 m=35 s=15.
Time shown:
h=3 m=50 s=9
